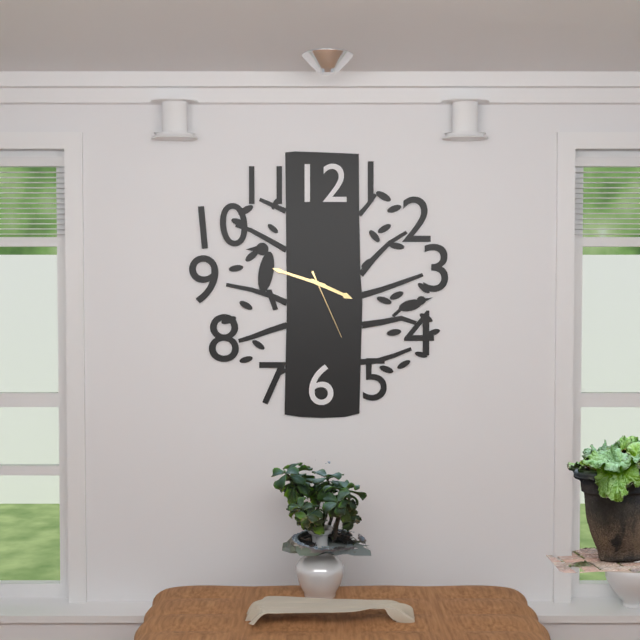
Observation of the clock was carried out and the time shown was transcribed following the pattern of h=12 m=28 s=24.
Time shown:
h=3 m=48 s=26
